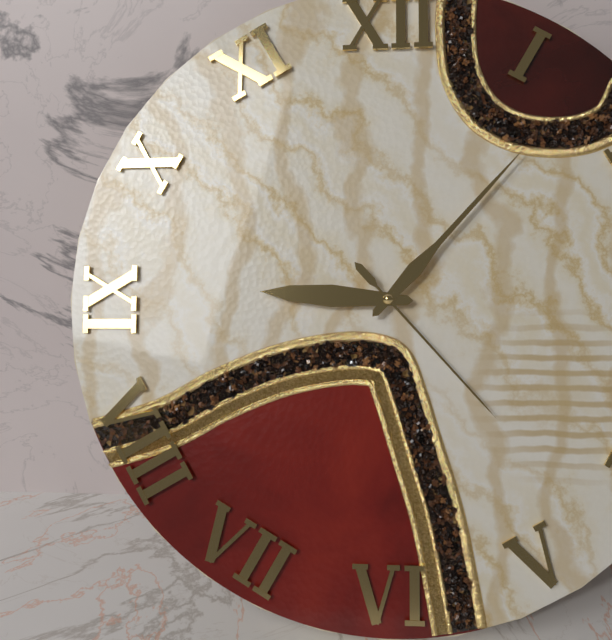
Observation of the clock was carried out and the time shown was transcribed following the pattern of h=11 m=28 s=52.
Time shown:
h=9 m=7 s=23
